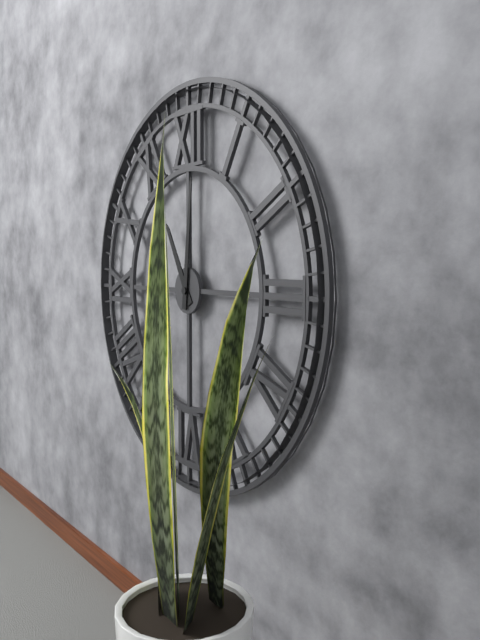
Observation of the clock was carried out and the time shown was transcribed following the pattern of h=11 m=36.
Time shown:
h=11 m=1
